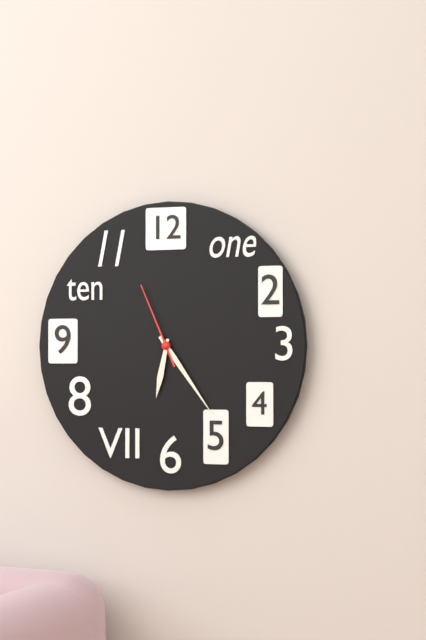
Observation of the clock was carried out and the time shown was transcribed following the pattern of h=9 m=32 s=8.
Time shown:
h=6 m=24 s=56
